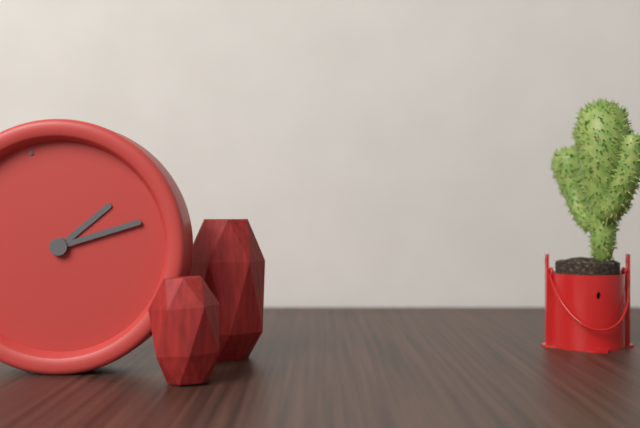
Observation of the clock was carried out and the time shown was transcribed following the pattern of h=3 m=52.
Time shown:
h=2 m=15
